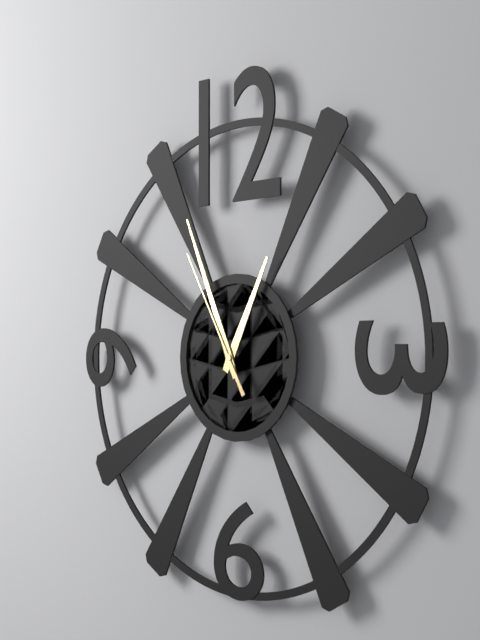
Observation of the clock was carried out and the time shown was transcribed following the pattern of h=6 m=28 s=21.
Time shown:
h=12 m=56 s=55
